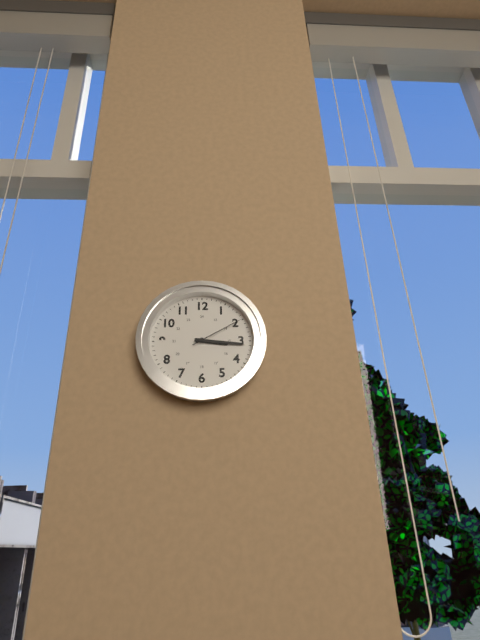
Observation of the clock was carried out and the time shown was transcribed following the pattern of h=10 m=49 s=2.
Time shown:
h=3 m=16 s=10
